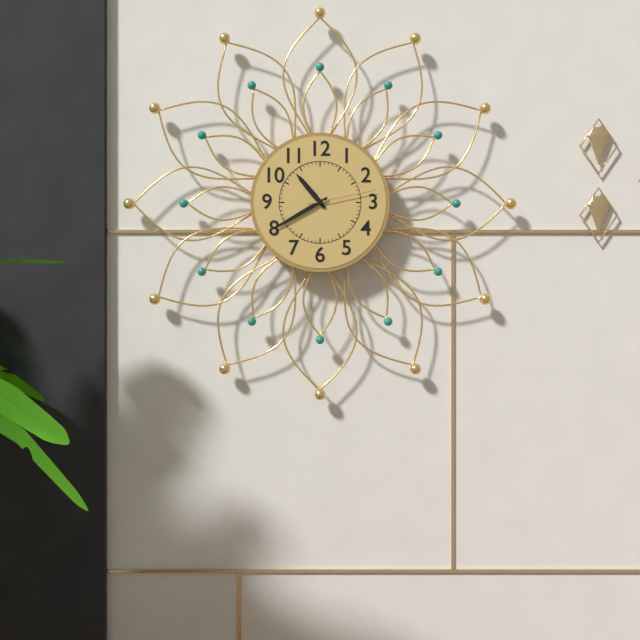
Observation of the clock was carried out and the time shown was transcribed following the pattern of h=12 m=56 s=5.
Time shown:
h=10 m=40 s=13
